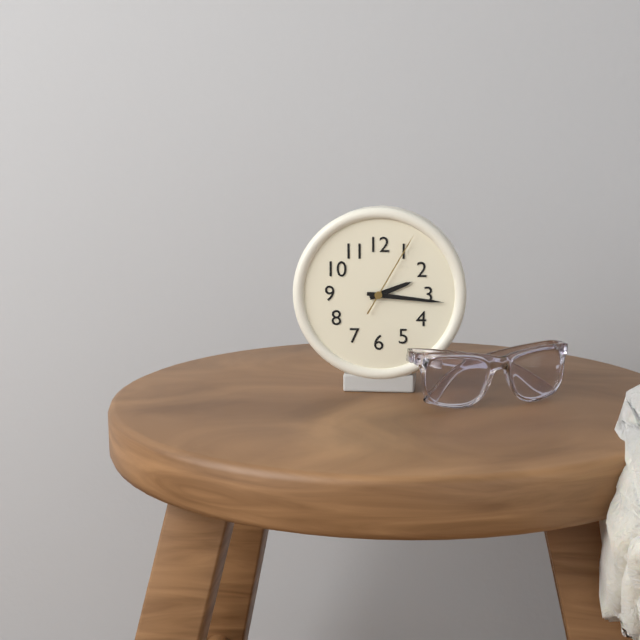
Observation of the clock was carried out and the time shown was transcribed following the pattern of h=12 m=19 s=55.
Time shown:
h=2 m=16 s=5
